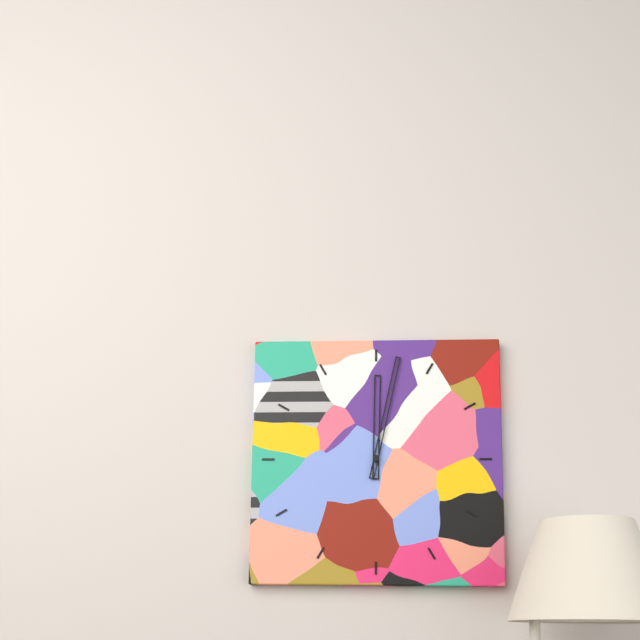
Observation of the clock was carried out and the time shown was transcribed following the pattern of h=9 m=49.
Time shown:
h=12 m=2
